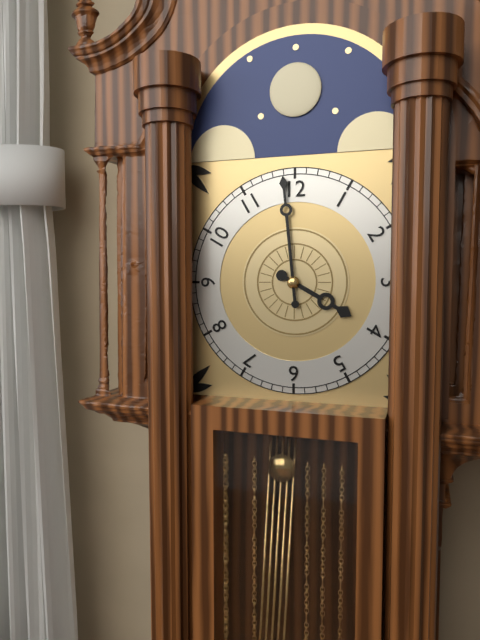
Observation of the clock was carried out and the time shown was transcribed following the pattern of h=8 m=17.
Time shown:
h=3 m=59
